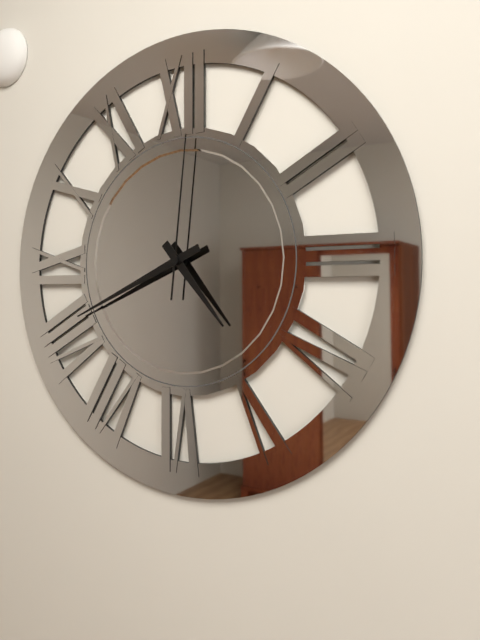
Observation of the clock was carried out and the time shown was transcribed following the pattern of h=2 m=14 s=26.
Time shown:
h=4 m=41 s=1
